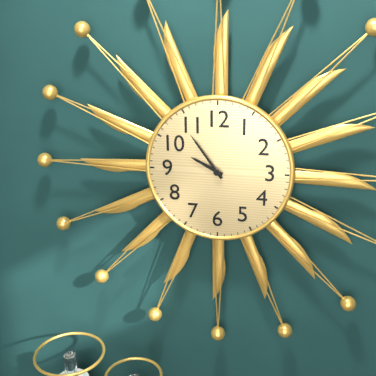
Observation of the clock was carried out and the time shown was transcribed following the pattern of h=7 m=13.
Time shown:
h=9 m=54
